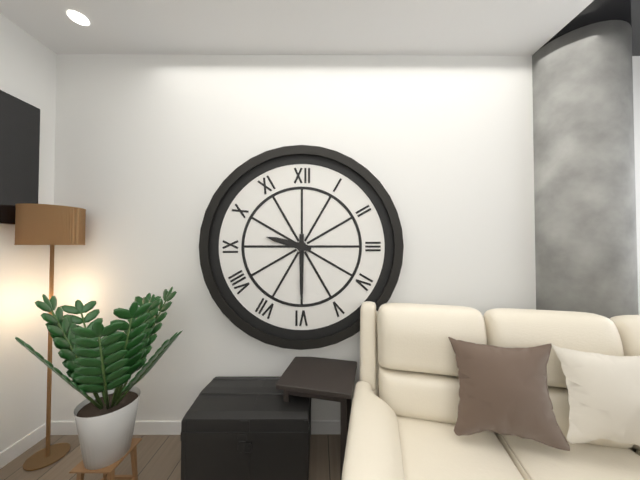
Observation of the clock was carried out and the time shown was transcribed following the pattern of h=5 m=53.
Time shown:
h=9 m=30
